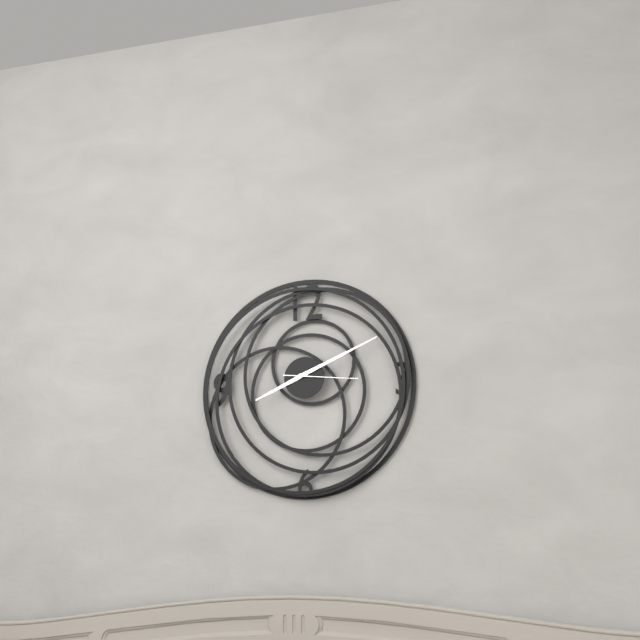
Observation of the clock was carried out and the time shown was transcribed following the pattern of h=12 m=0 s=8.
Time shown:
h=8 m=11 s=16
